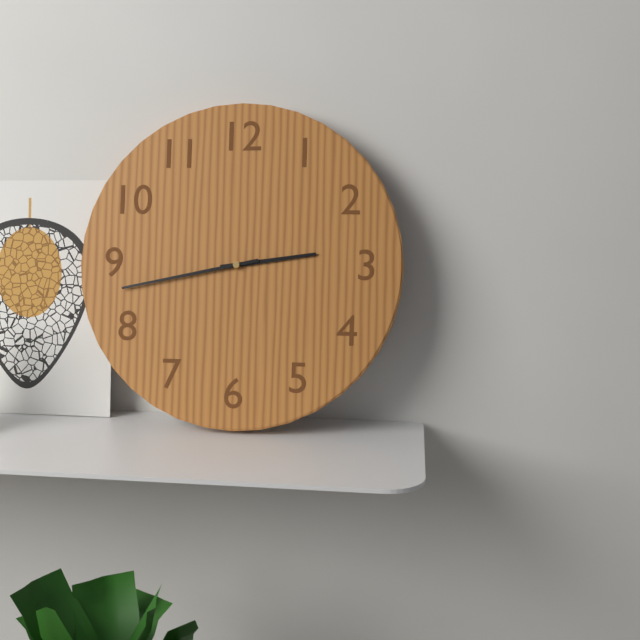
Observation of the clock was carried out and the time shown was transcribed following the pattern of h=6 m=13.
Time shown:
h=2 m=43
